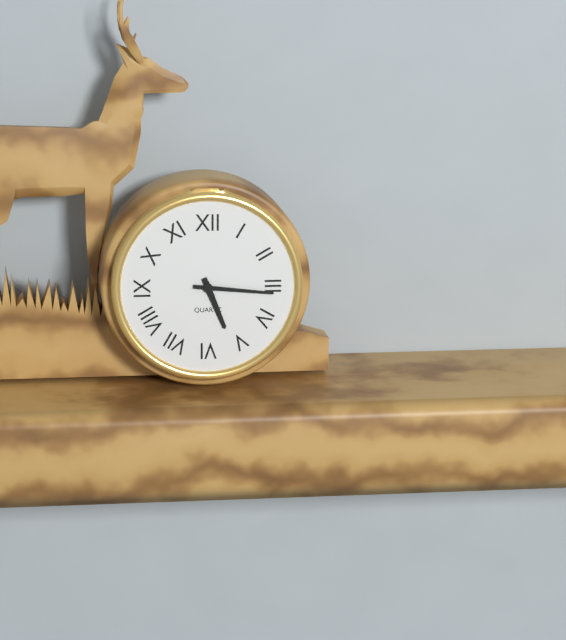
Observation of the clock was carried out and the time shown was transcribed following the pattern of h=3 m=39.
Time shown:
h=5 m=16
